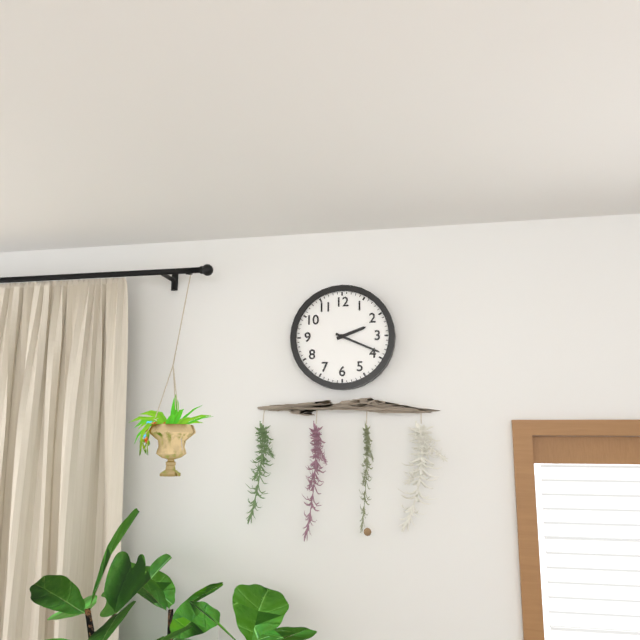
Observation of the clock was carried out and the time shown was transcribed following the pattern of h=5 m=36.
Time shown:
h=2 m=19
